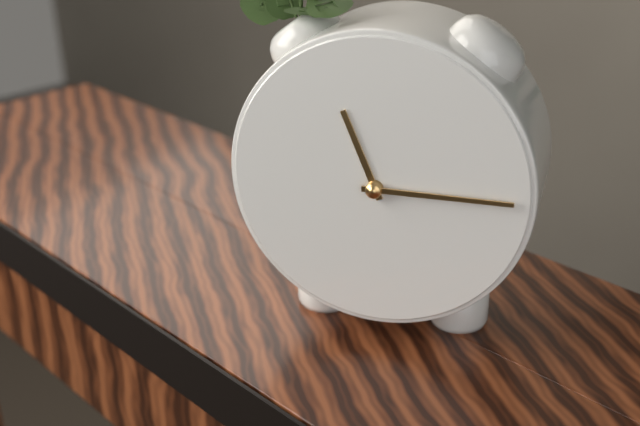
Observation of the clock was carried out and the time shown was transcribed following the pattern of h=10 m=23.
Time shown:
h=11 m=15
